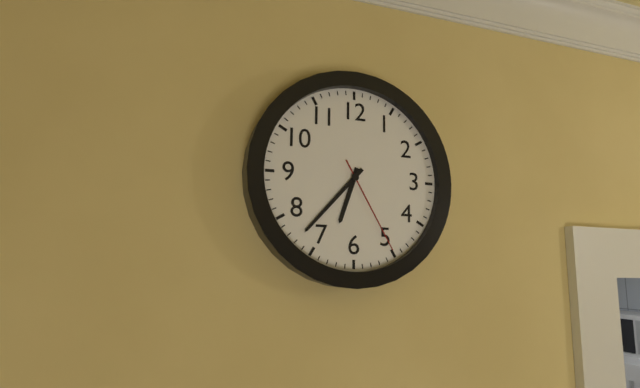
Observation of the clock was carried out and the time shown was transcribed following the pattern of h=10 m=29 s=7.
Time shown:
h=6 m=37 s=25
